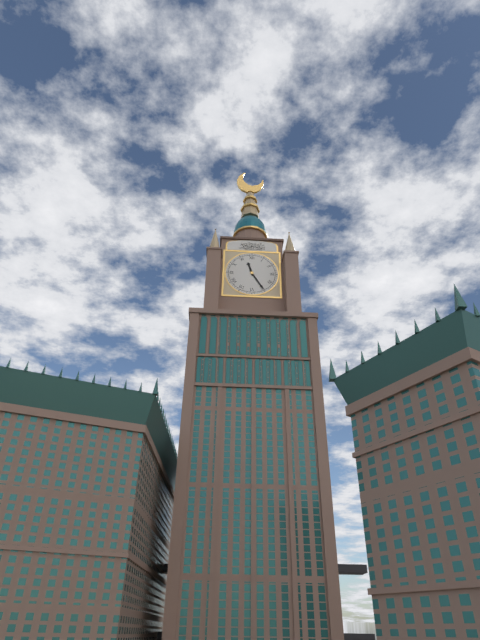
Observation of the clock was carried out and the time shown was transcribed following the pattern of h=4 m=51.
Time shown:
h=11 m=25
